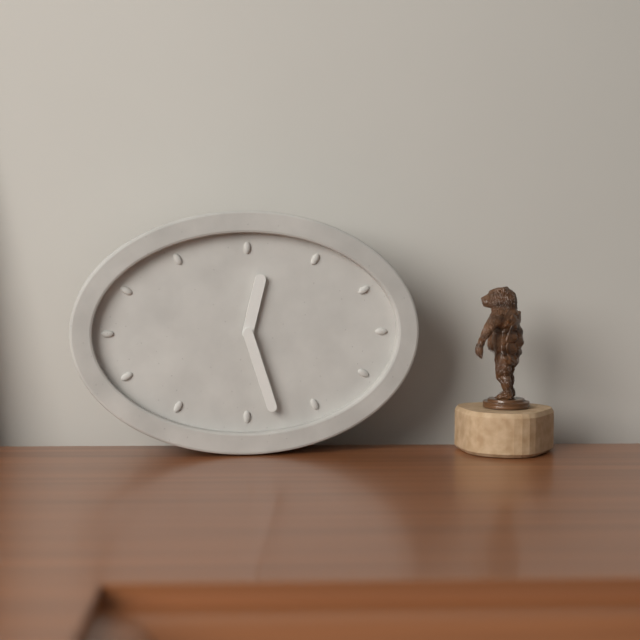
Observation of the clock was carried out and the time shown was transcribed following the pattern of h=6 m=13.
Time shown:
h=12 m=27
